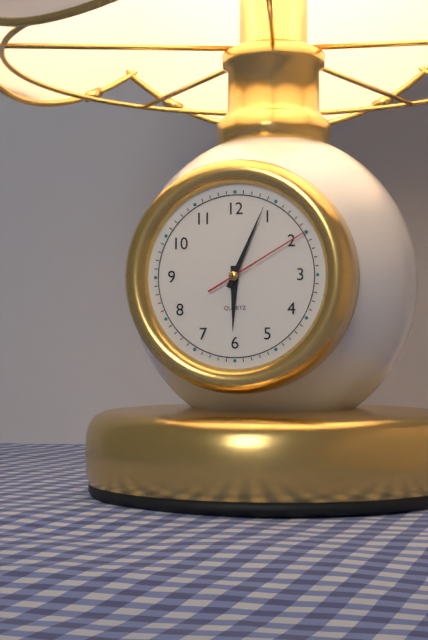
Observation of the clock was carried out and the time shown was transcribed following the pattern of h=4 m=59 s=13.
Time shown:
h=6 m=4 s=10
